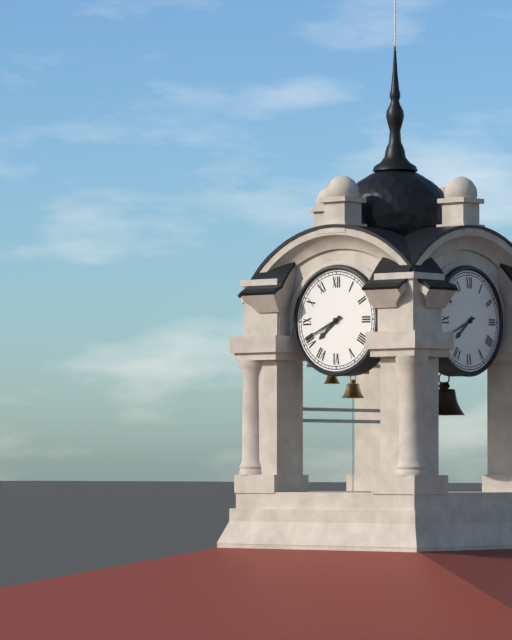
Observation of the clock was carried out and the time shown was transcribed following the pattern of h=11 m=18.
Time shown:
h=7 m=41
